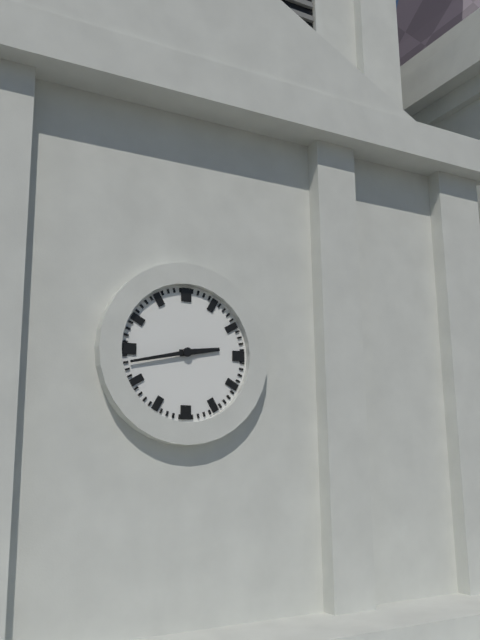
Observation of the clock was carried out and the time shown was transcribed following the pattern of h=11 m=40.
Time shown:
h=2 m=43
